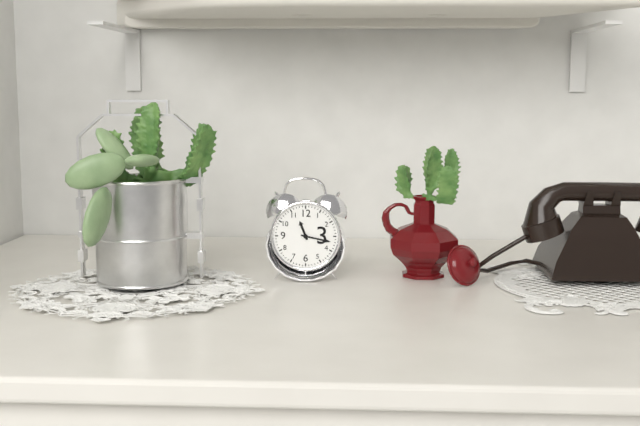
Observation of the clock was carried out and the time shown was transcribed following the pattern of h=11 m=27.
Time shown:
h=11 m=17
